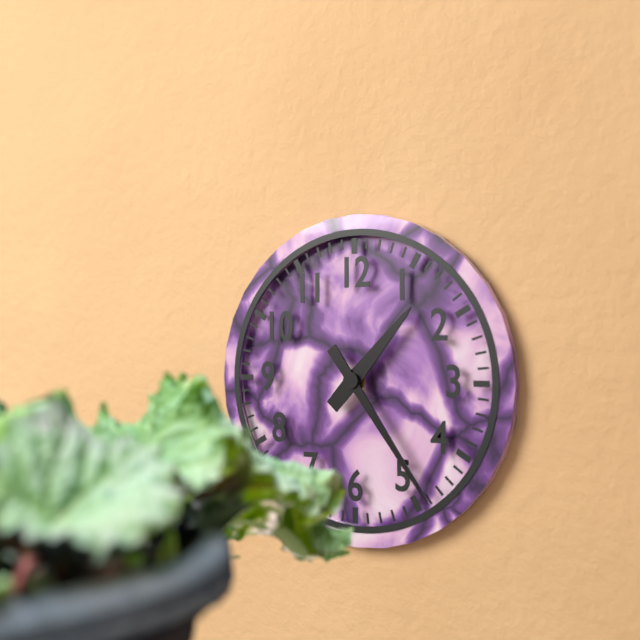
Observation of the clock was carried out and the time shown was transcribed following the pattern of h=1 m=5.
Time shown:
h=1 m=24
